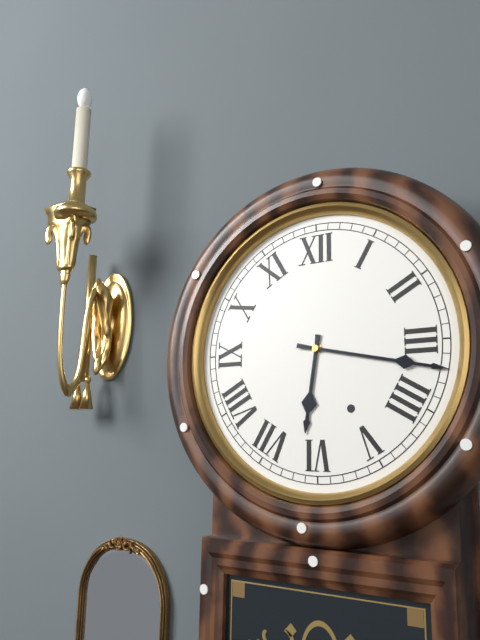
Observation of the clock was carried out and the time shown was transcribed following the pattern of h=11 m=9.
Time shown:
h=6 m=17
